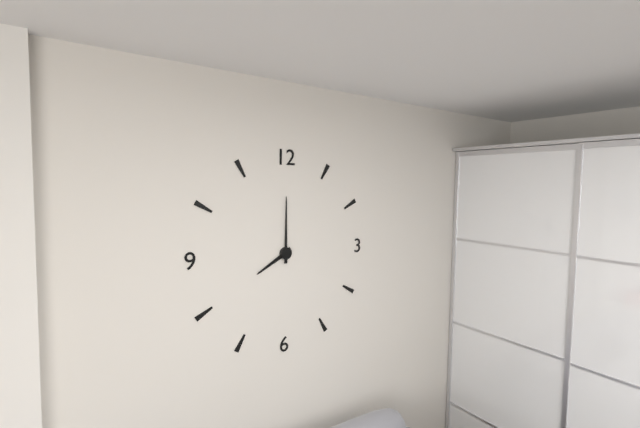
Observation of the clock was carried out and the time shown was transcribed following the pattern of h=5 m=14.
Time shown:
h=8 m=0
